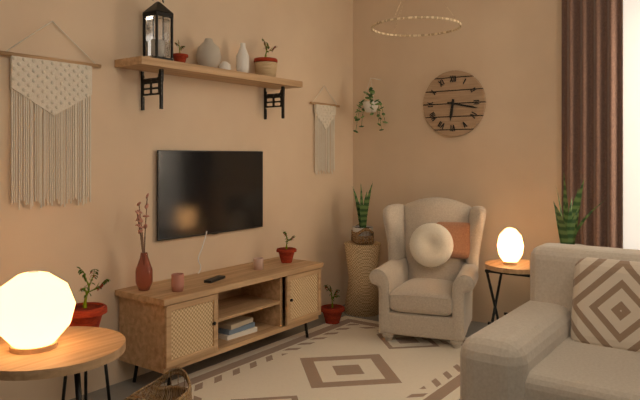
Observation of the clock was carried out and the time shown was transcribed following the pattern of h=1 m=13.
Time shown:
h=6 m=17
